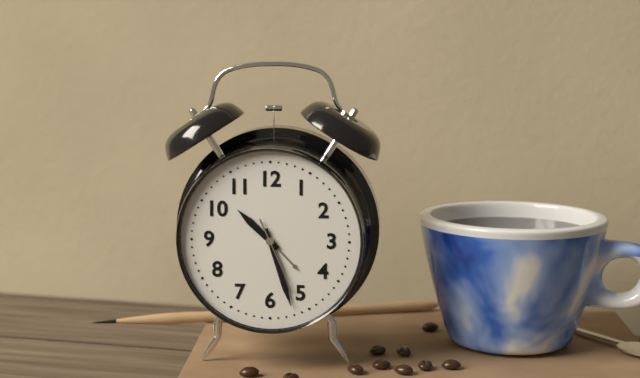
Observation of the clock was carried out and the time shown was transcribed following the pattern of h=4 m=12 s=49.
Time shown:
h=10 m=27 s=26
